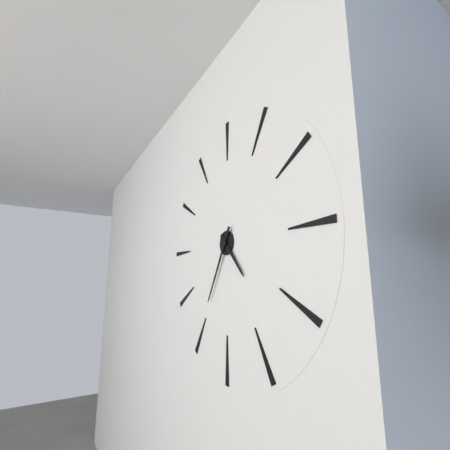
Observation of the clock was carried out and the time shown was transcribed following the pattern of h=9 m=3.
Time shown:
h=4 m=35
